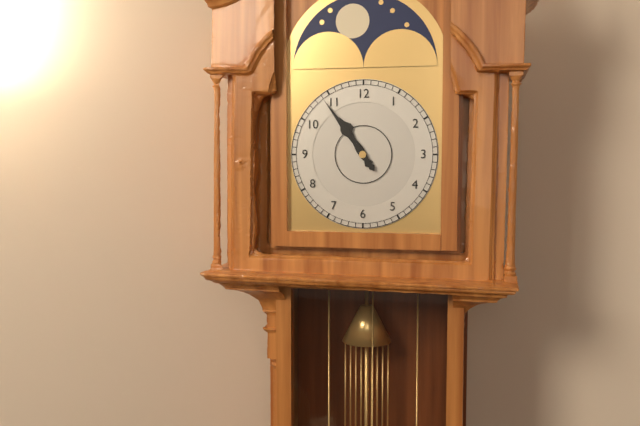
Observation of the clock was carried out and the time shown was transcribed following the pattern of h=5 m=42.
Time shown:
h=10 m=54
